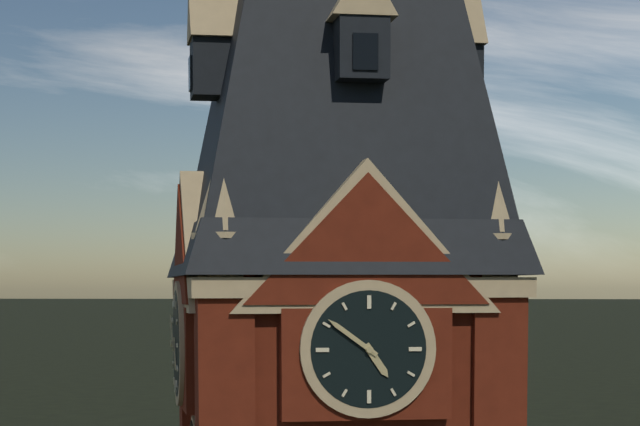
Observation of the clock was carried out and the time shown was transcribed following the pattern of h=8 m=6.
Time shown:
h=4 m=51
